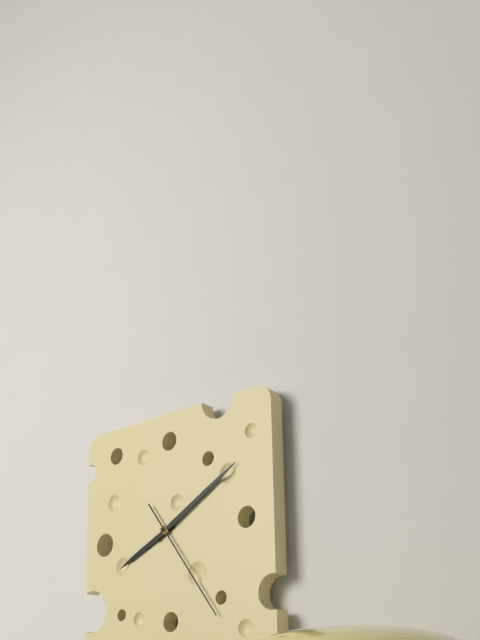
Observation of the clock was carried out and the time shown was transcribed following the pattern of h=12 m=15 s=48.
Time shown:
h=8 m=10 s=24
